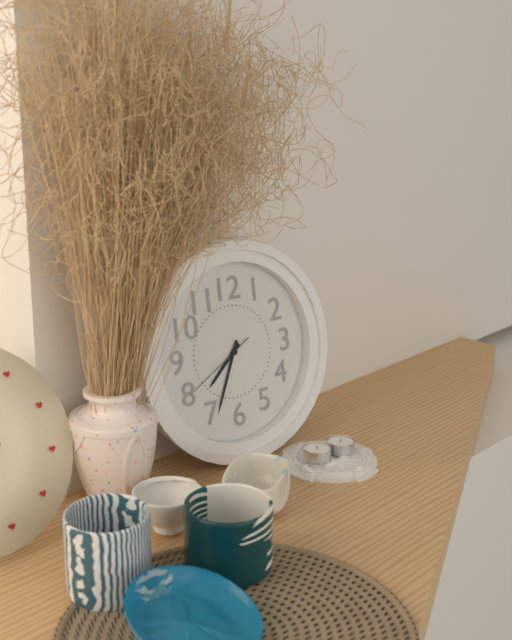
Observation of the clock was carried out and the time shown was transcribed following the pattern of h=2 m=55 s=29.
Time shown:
h=7 m=34 s=40
